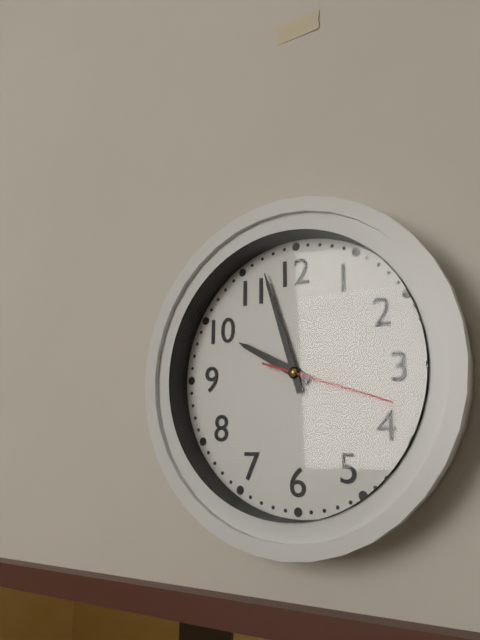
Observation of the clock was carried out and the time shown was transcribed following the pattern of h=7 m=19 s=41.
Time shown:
h=9 m=57 s=18
